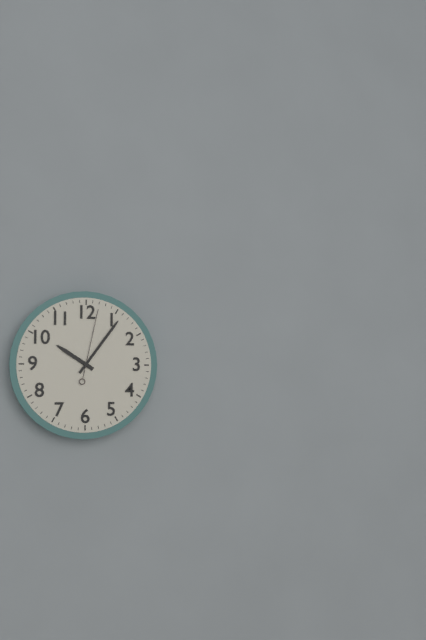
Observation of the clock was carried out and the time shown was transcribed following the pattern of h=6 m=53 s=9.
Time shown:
h=10 m=6 s=2
